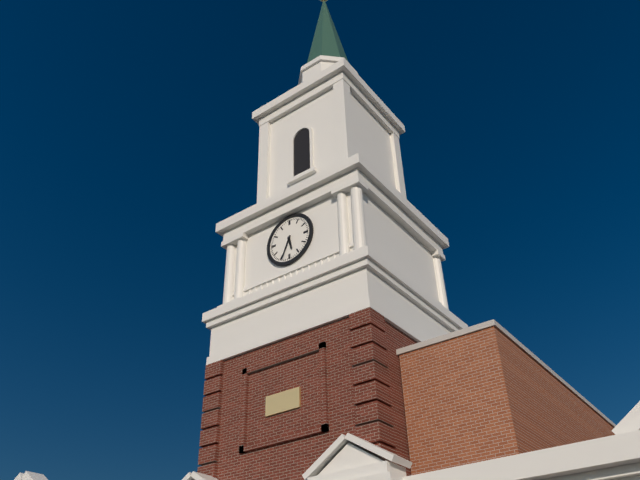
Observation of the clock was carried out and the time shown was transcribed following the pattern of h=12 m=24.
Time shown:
h=5 m=34
